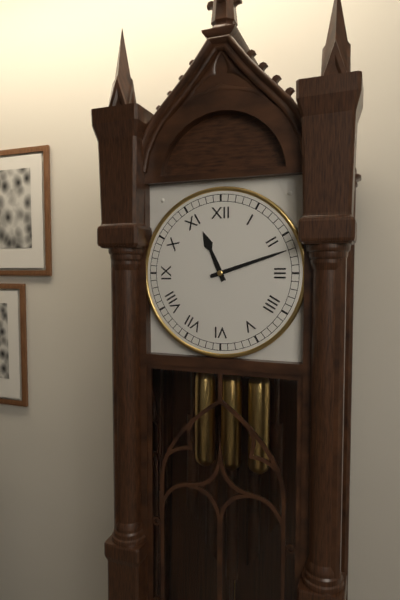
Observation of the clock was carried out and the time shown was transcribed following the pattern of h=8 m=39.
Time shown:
h=11 m=12
